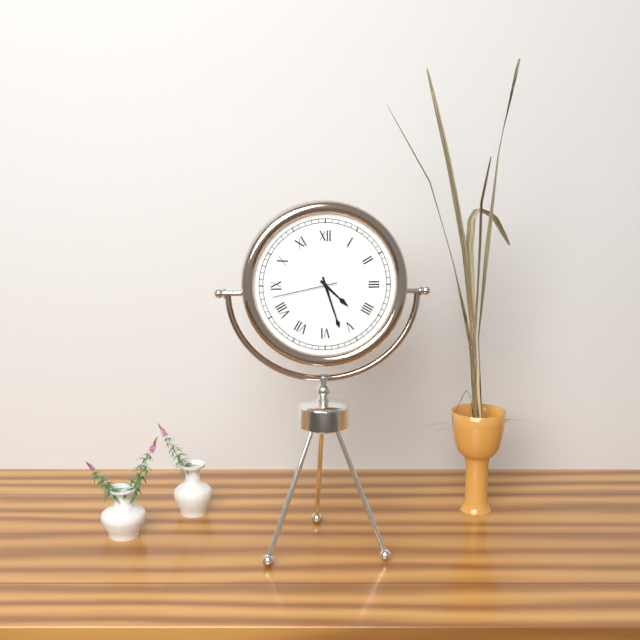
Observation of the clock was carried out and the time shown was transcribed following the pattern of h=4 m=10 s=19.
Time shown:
h=4 m=27 s=43
